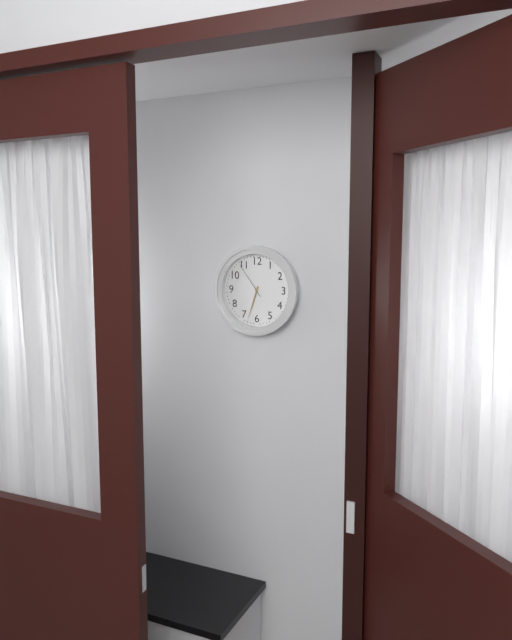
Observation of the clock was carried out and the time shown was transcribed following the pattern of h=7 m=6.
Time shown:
h=6 m=33
